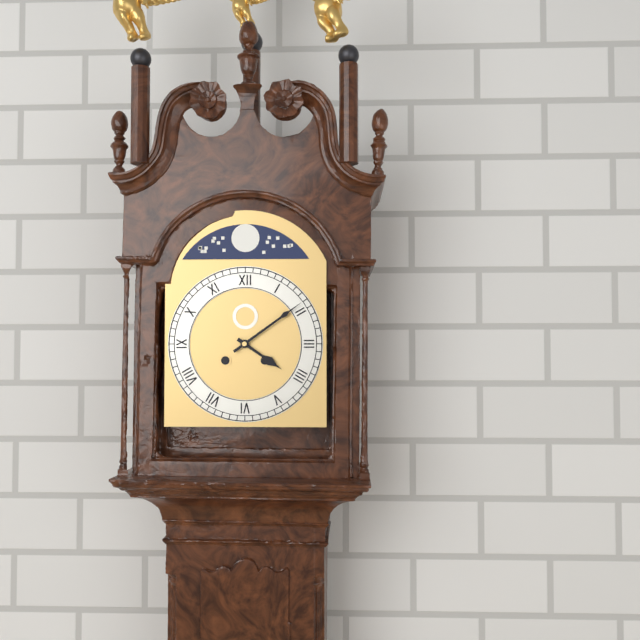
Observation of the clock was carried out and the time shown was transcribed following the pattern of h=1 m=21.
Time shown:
h=4 m=9
